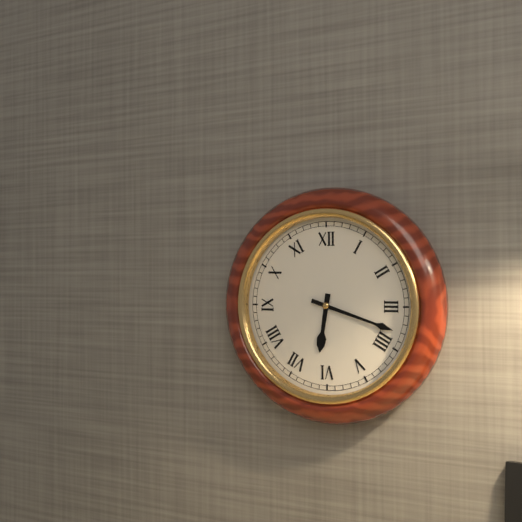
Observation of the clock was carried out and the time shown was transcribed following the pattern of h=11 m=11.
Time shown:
h=6 m=18
